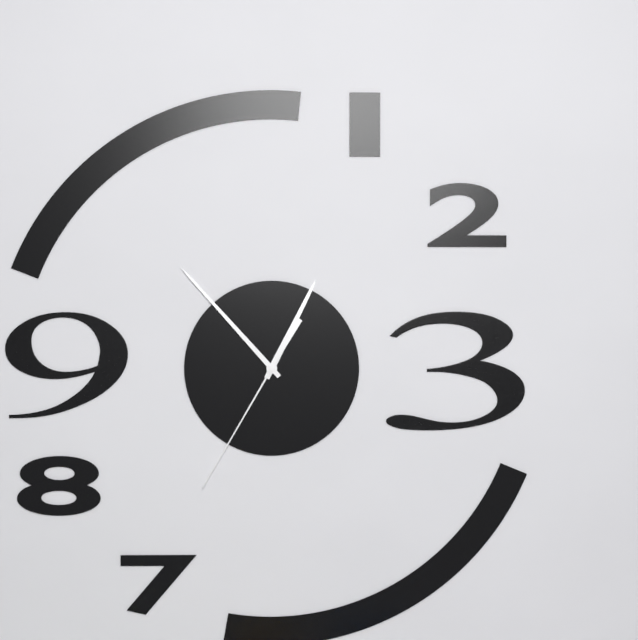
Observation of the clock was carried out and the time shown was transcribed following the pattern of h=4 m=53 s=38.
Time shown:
h=12 m=53 s=35
